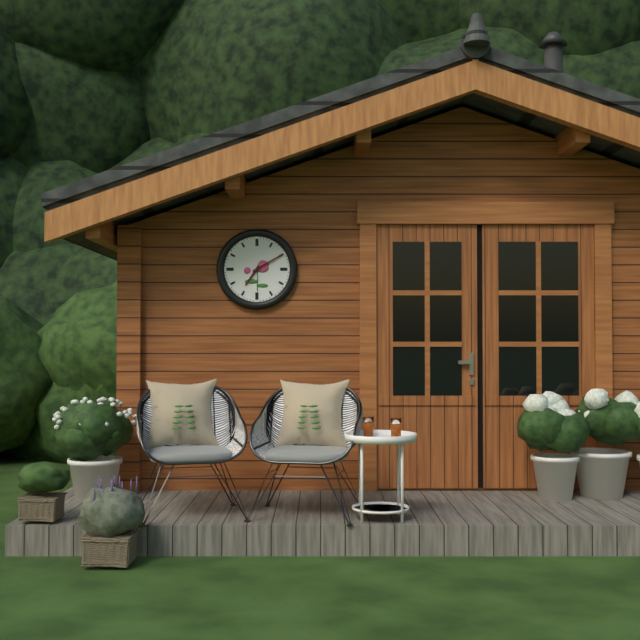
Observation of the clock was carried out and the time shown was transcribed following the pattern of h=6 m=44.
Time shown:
h=7 m=10
